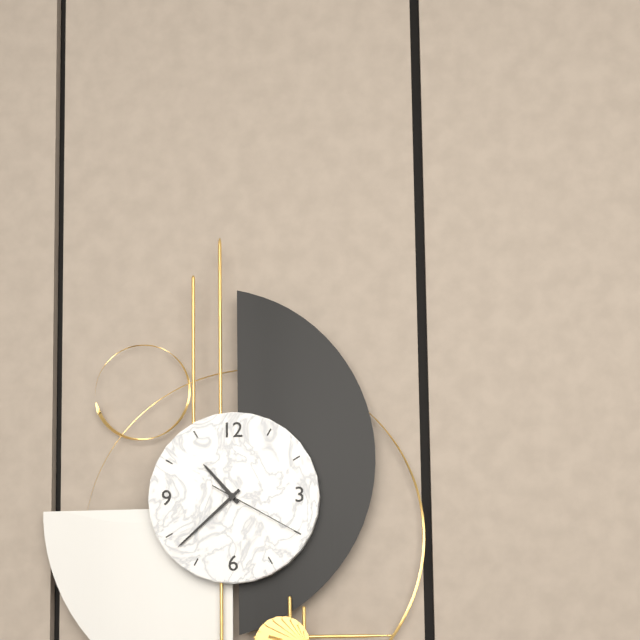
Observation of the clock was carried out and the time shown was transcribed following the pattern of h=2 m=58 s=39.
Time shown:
h=10 m=38 s=20
